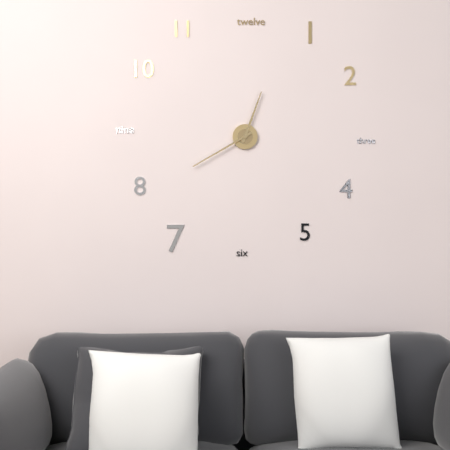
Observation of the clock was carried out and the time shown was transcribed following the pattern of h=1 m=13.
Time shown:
h=12 m=40
